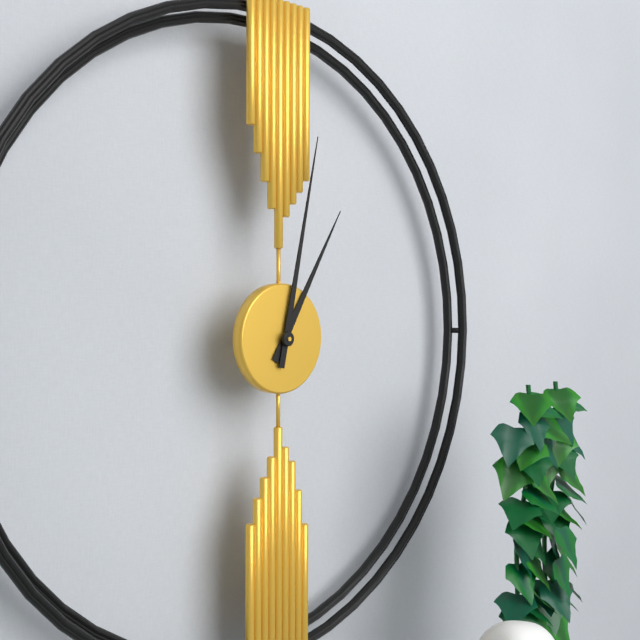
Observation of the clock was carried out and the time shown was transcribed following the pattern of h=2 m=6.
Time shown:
h=1 m=2
